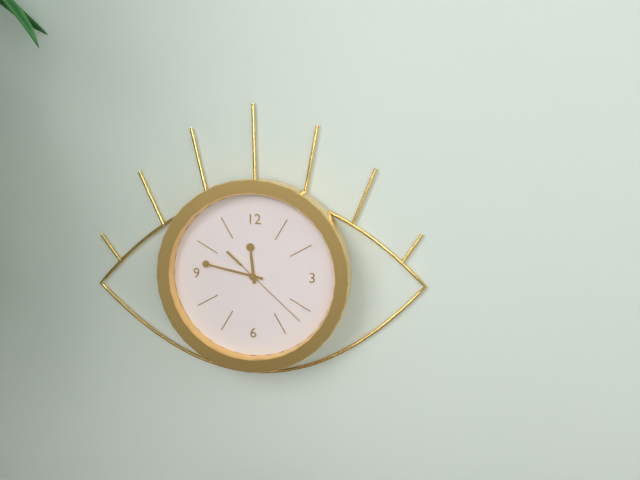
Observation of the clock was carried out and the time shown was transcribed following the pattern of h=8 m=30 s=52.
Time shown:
h=11 m=47 s=22
